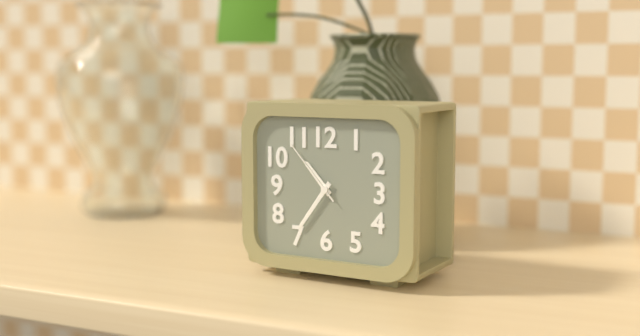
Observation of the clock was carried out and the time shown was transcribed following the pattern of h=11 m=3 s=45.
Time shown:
h=10 m=36 s=53
